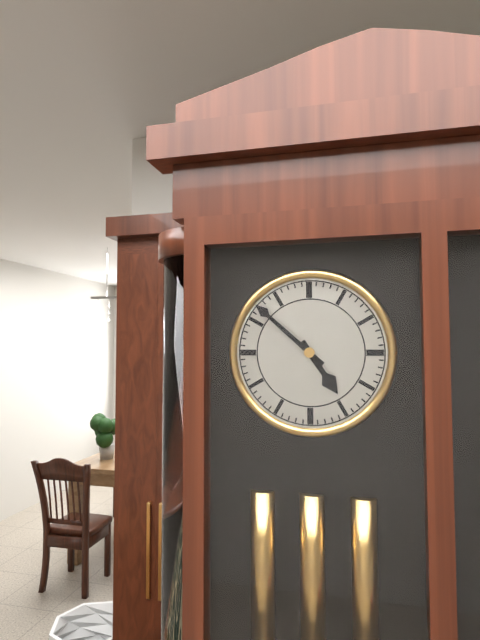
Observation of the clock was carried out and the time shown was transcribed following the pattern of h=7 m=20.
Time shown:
h=4 m=52
